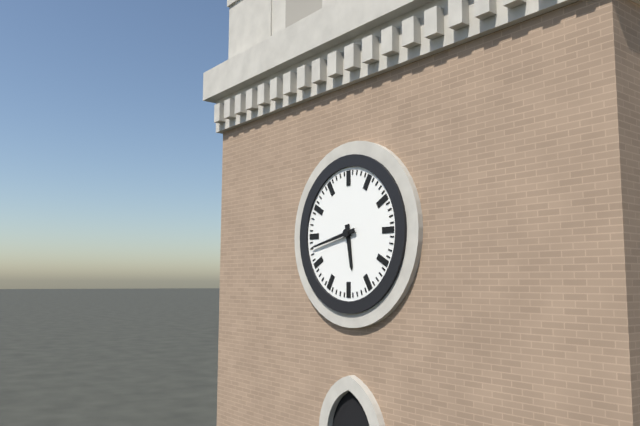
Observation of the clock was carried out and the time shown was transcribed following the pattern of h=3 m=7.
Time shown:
h=5 m=43
